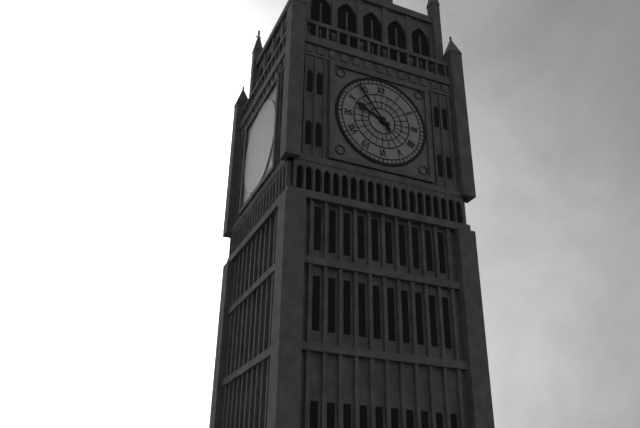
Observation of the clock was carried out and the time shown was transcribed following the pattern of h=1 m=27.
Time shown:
h=9 m=54
